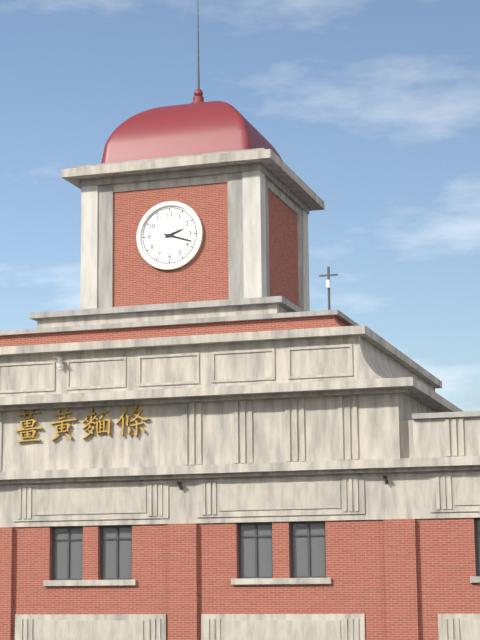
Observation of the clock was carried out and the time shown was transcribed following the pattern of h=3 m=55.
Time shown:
h=2 m=18
